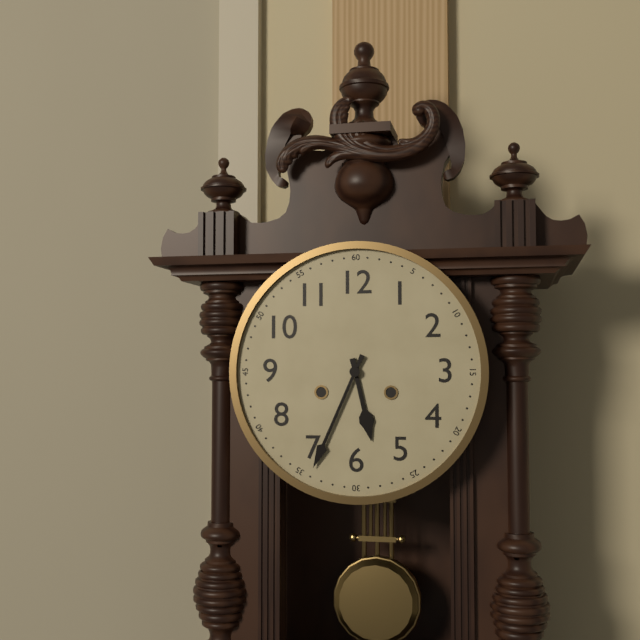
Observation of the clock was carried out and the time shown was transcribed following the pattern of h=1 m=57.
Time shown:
h=5 m=34
